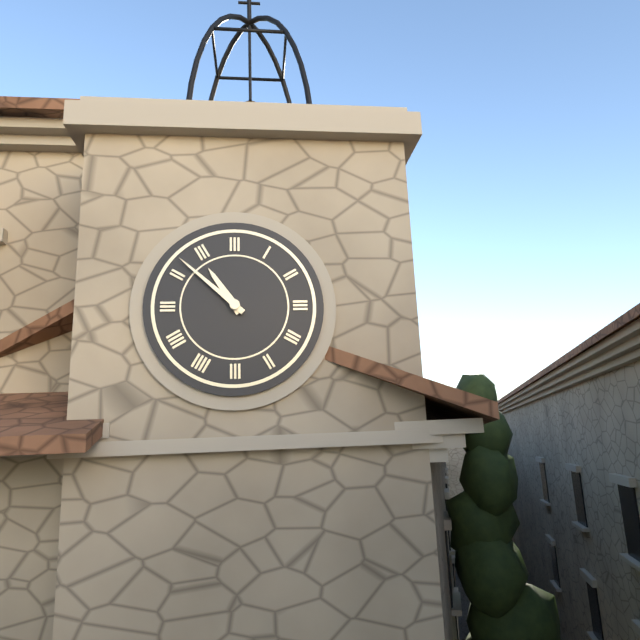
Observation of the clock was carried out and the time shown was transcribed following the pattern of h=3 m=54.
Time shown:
h=10 m=52
